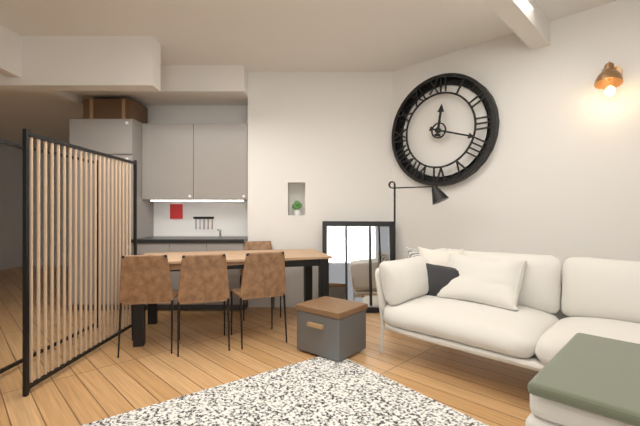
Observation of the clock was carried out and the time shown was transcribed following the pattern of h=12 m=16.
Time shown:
h=12 m=18
